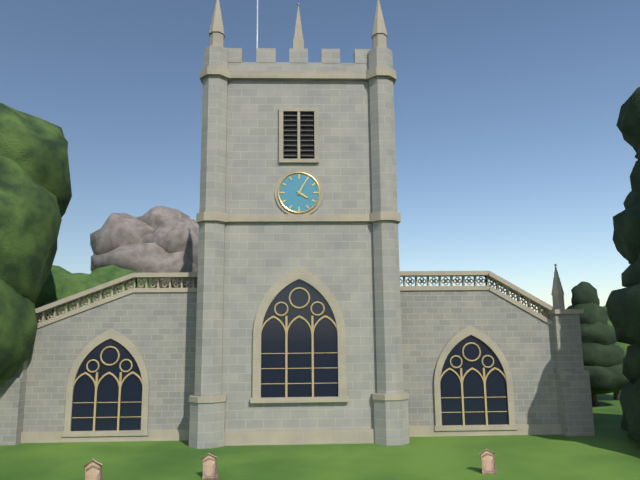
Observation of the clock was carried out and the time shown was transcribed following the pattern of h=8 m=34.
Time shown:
h=4 m=5
